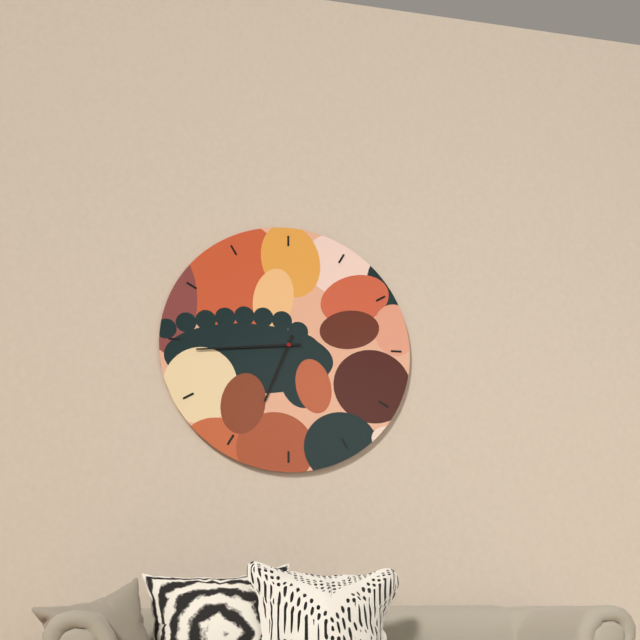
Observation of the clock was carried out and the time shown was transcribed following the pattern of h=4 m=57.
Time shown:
h=6 m=44
